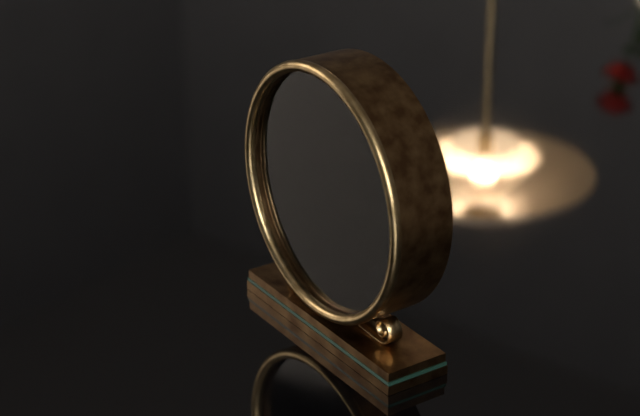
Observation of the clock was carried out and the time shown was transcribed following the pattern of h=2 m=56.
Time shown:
h=7 m=59
